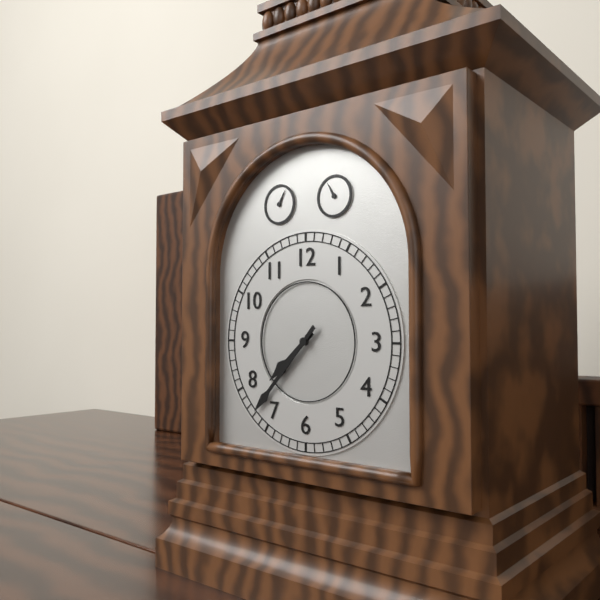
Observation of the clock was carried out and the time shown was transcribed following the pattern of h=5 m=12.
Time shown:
h=7 m=37
